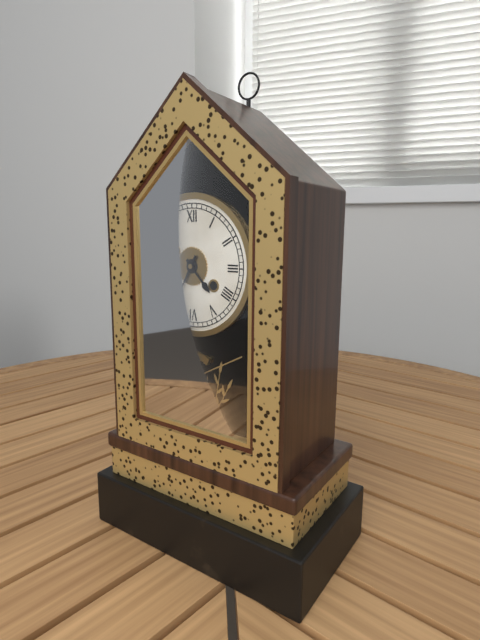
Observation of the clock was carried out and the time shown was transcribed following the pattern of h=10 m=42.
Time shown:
h=4 m=35
